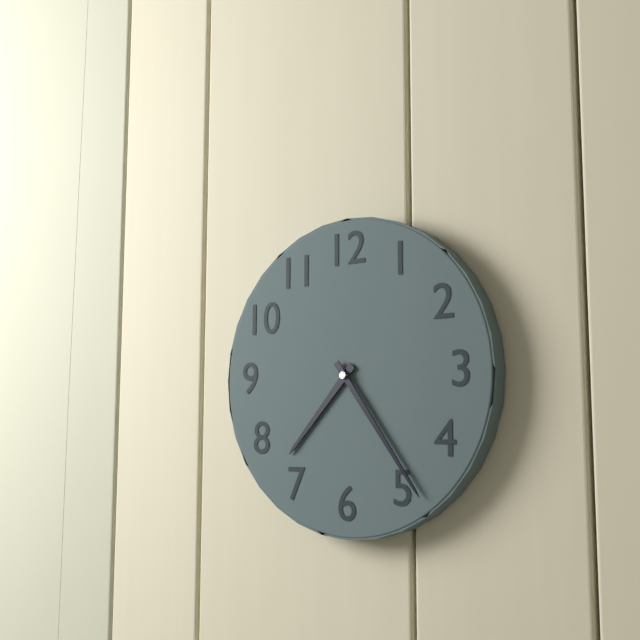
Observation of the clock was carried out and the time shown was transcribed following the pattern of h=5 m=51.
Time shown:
h=7 m=24
